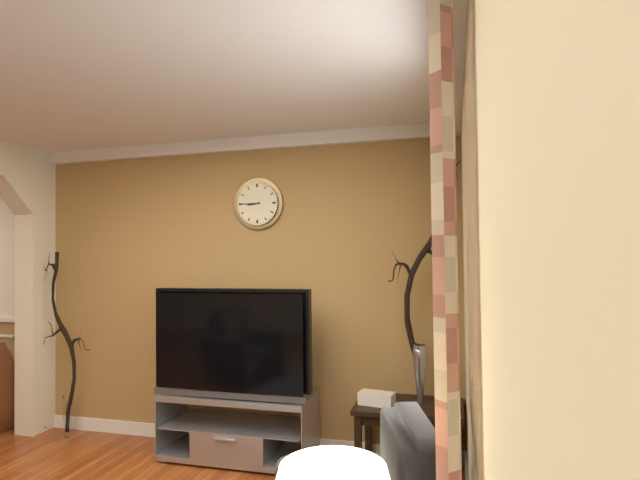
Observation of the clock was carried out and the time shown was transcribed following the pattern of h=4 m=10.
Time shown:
h=8 m=45
